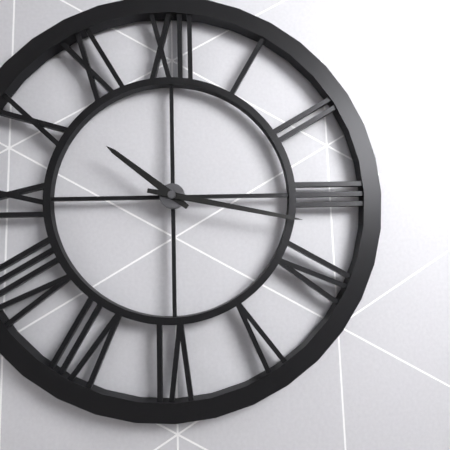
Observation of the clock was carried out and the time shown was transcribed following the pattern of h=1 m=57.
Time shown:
h=10 m=17
